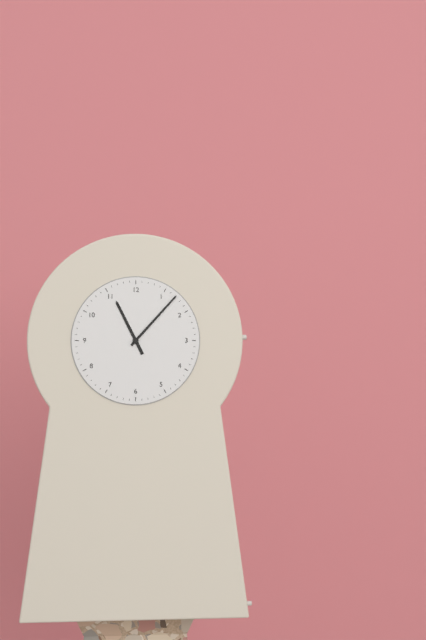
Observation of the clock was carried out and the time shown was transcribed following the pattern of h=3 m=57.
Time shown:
h=11 m=7
